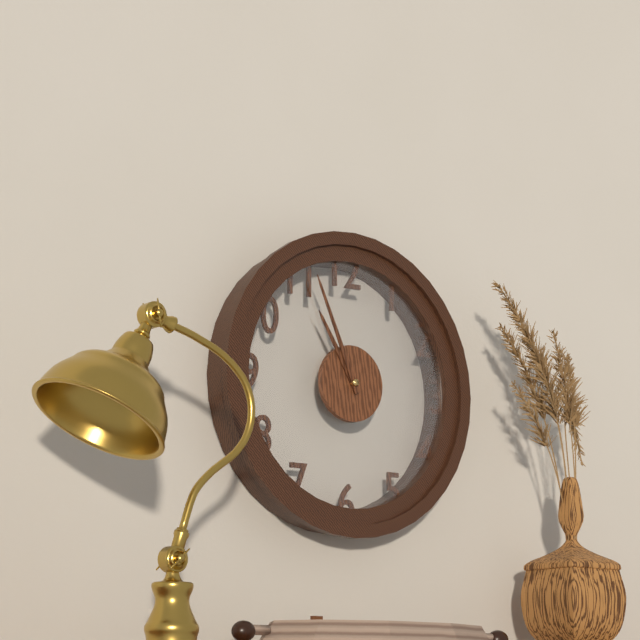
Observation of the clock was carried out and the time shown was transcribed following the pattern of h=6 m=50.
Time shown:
h=10 m=56
